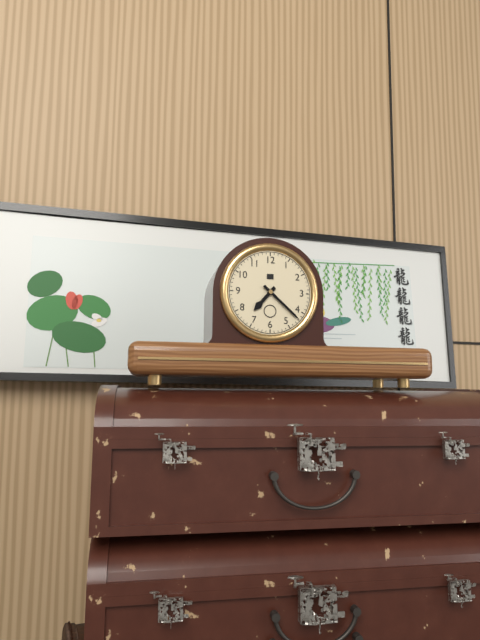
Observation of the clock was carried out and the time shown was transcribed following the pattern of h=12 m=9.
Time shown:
h=7 m=22
